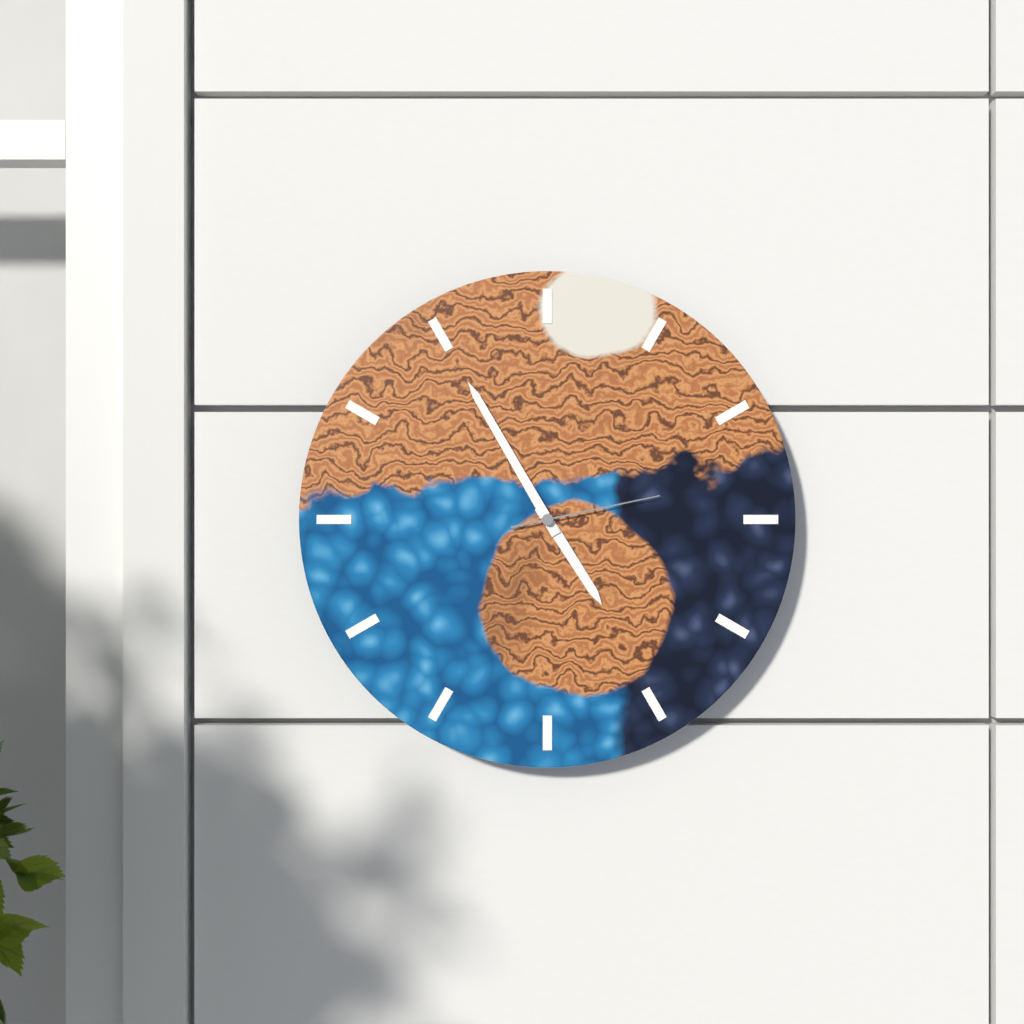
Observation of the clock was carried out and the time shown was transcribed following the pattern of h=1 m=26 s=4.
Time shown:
h=4 m=55 s=13
